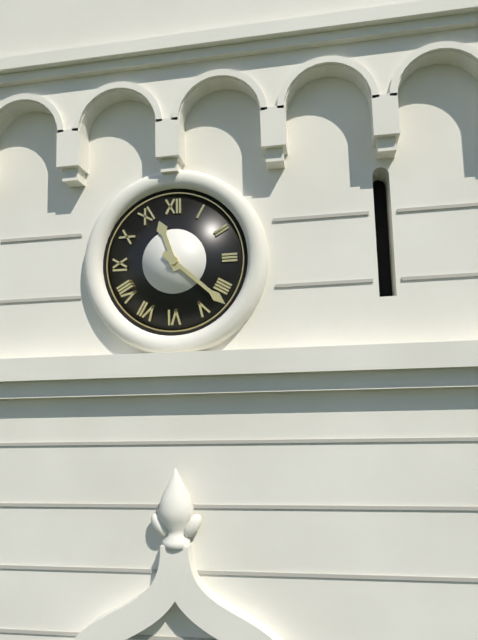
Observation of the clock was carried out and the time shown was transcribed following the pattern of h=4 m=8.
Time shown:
h=11 m=22
